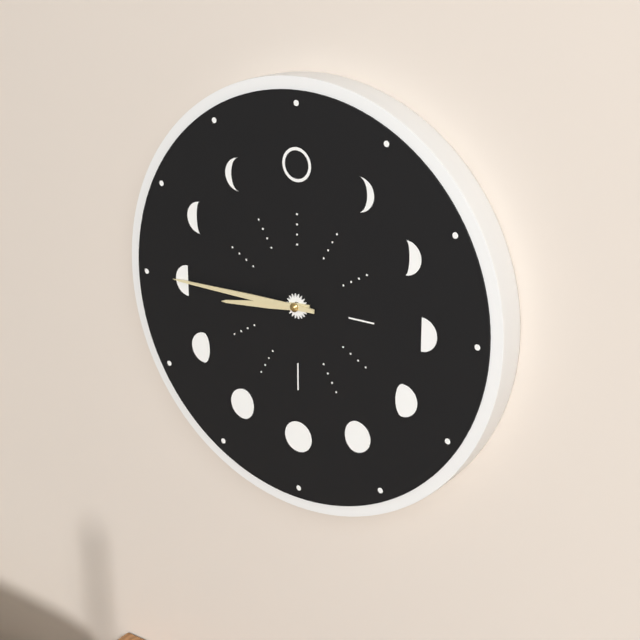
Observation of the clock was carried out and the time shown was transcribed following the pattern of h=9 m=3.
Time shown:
h=8 m=45
